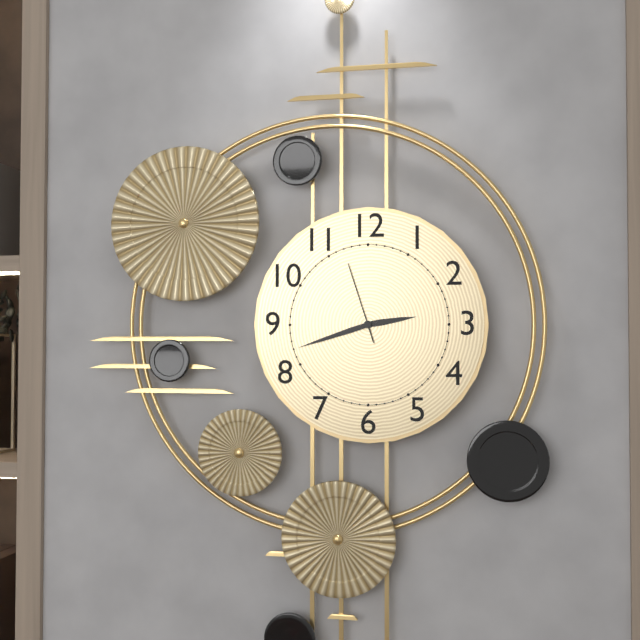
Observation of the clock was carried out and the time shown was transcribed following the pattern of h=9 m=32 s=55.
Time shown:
h=2 m=42 s=57
